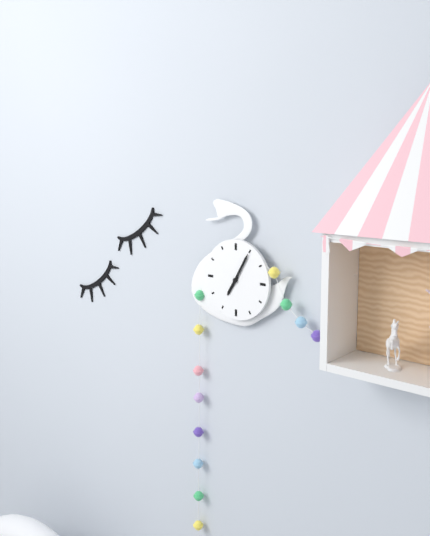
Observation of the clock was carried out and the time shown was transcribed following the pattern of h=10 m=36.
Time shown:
h=7 m=5
